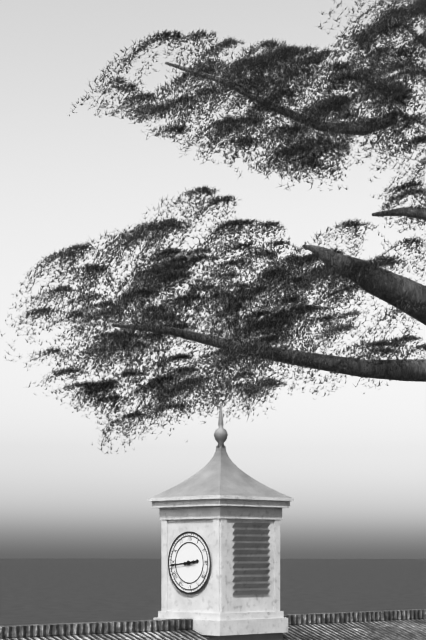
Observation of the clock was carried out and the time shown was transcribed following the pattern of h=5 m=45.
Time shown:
h=2 m=44
